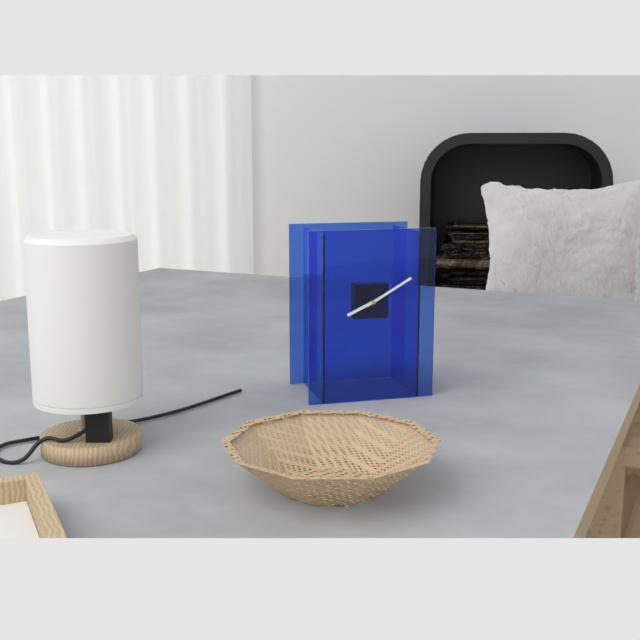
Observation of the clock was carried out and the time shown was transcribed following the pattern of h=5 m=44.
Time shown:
h=8 m=10
